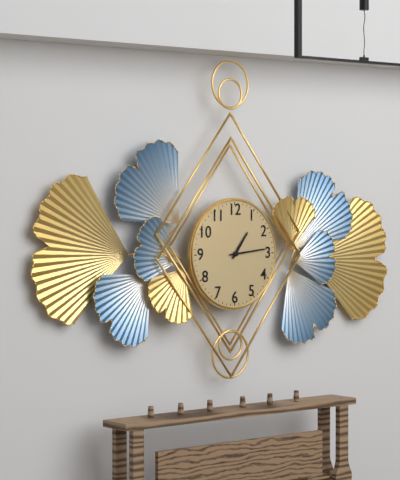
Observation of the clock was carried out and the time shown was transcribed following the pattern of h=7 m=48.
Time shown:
h=1 m=14
